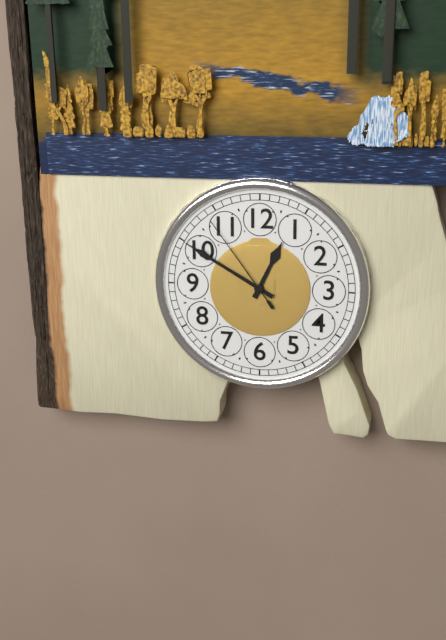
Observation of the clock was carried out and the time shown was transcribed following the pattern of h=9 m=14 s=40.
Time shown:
h=12 m=50 s=54
